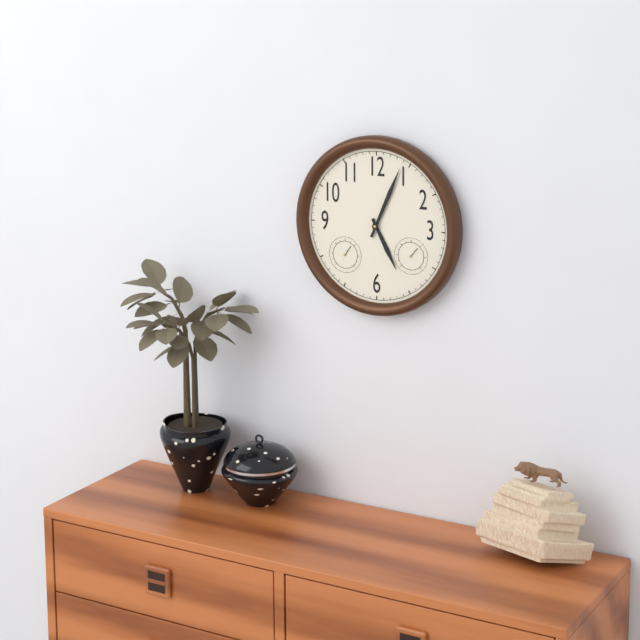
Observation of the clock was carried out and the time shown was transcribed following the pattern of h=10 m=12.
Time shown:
h=5 m=4
